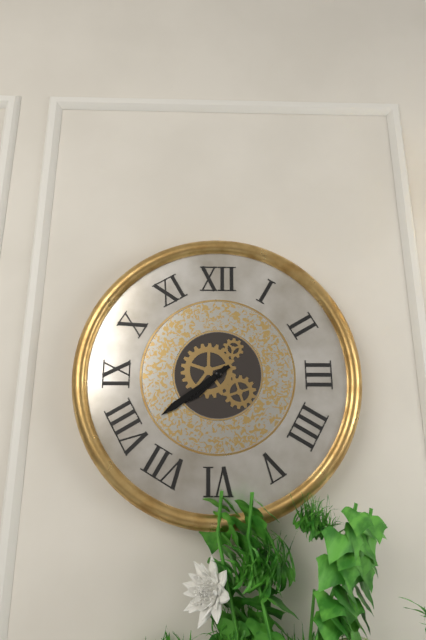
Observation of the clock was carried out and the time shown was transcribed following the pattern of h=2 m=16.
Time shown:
h=7 m=39
